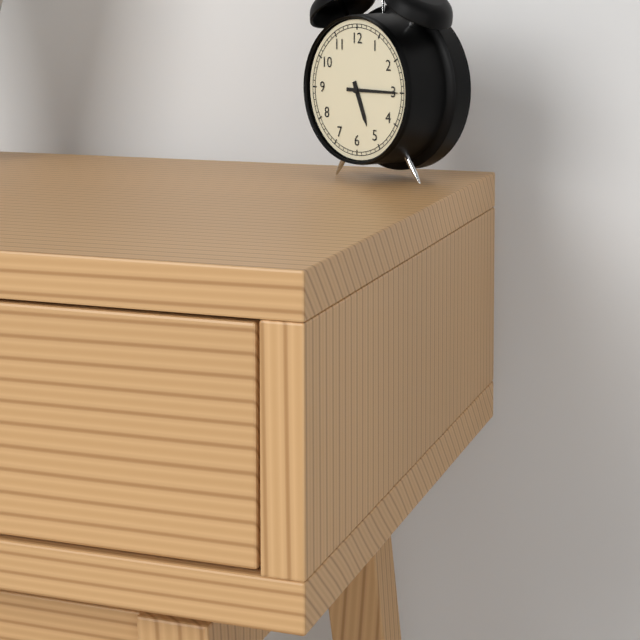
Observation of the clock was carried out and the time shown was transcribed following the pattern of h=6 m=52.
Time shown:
h=5 m=15
